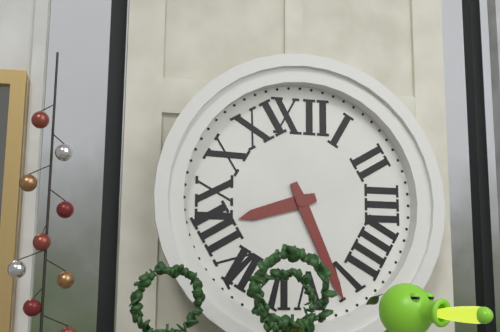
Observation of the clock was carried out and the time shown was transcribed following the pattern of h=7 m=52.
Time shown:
h=8 m=26
